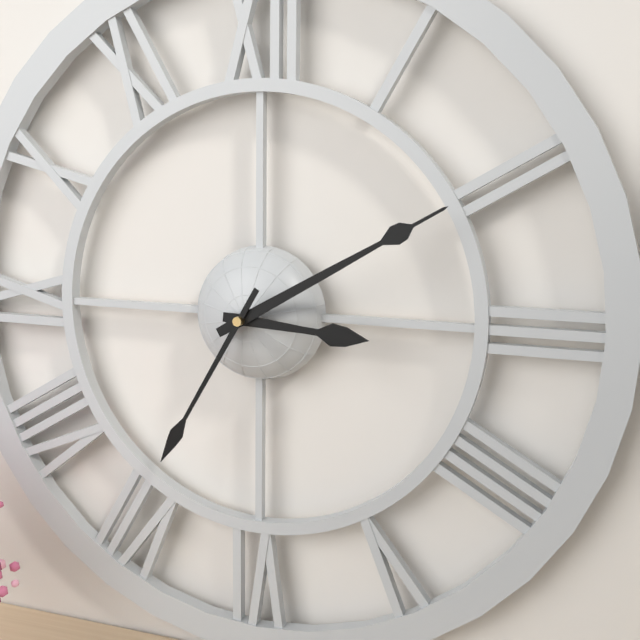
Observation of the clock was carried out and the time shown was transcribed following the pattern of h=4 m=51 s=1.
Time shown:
h=3 m=10 s=35
